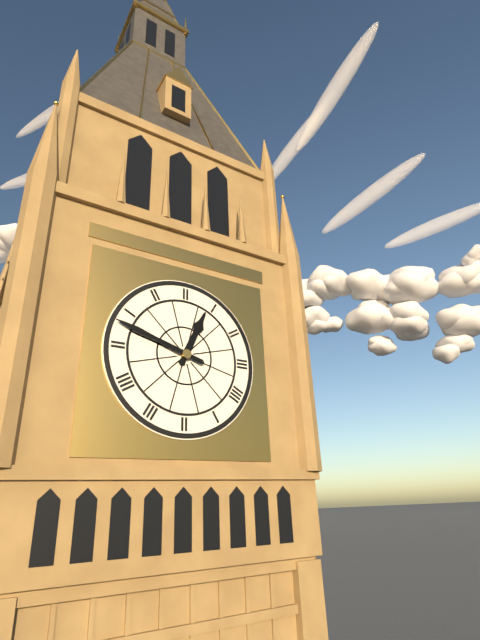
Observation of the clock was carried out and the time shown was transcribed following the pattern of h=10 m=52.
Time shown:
h=12 m=48
